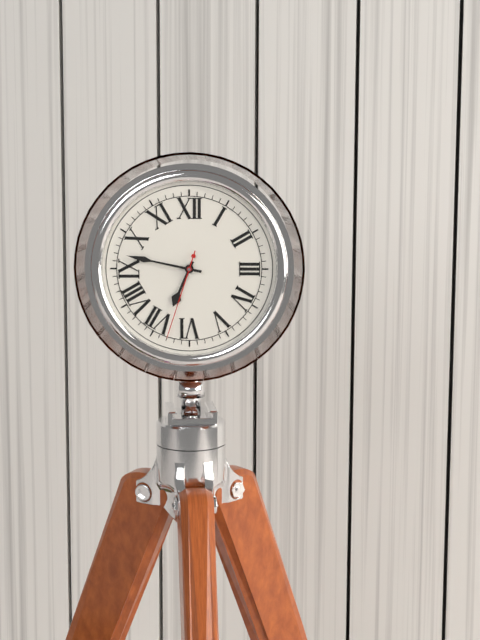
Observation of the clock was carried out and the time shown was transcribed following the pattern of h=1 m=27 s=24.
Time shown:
h=6 m=47 s=33
